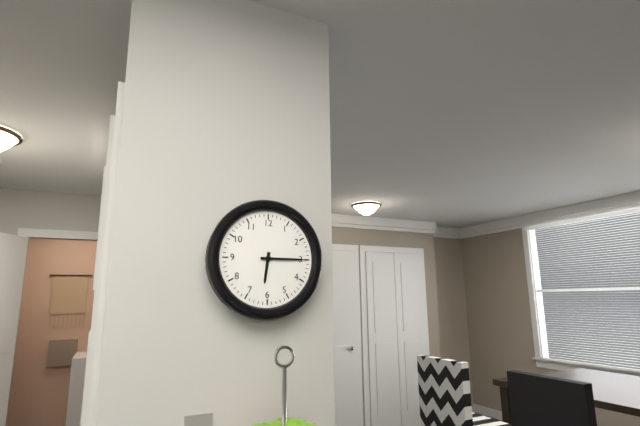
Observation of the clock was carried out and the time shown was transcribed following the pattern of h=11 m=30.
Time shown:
h=6 m=15
